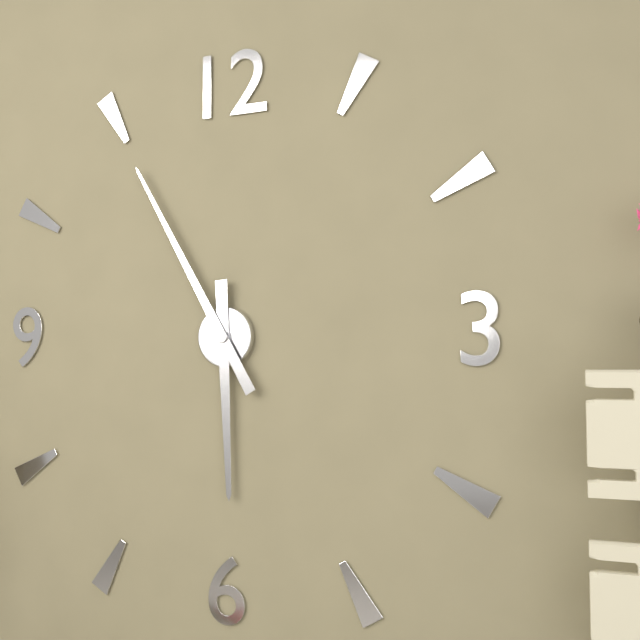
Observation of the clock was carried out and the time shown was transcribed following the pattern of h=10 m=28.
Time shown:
h=5 m=55
